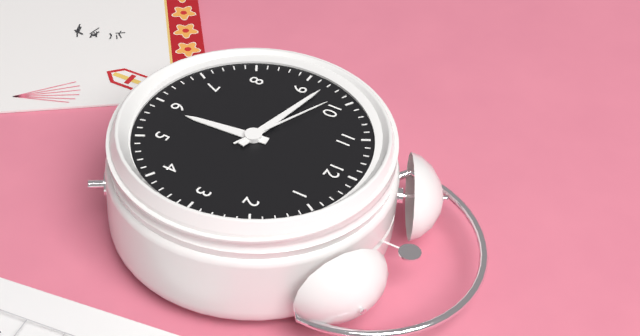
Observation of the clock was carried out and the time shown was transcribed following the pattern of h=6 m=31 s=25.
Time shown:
h=5 m=47 s=49
